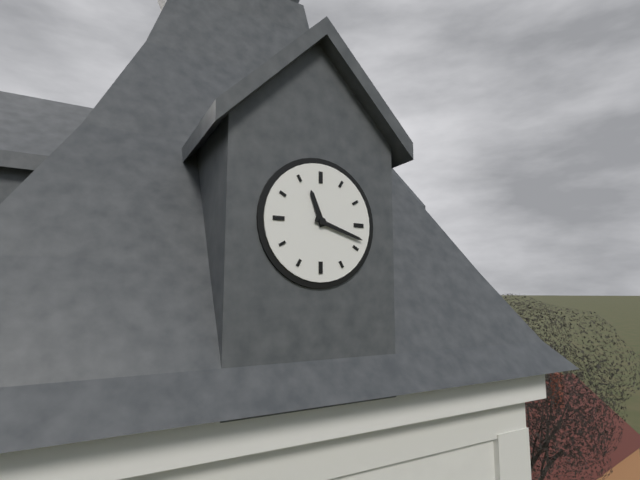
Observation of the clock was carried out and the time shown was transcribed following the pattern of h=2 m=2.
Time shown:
h=11 m=18
